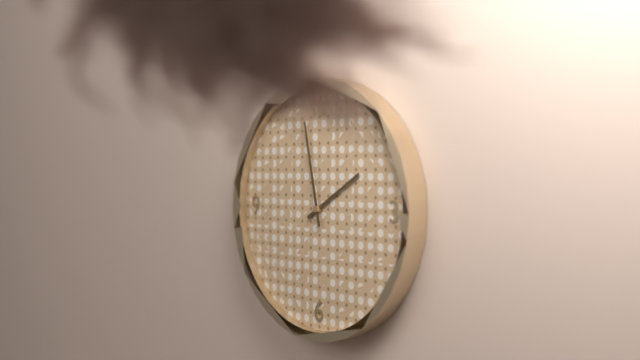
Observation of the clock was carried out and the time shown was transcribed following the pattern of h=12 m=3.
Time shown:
h=1 m=58
